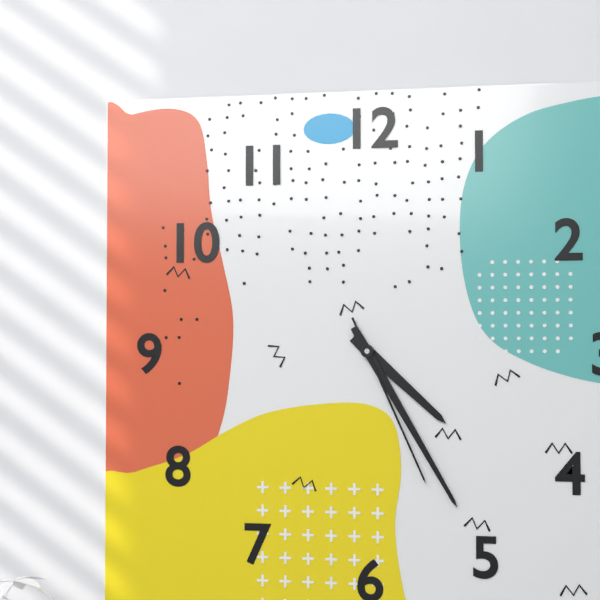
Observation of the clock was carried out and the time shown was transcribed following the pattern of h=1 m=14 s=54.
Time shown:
h=4 m=25 s=26
